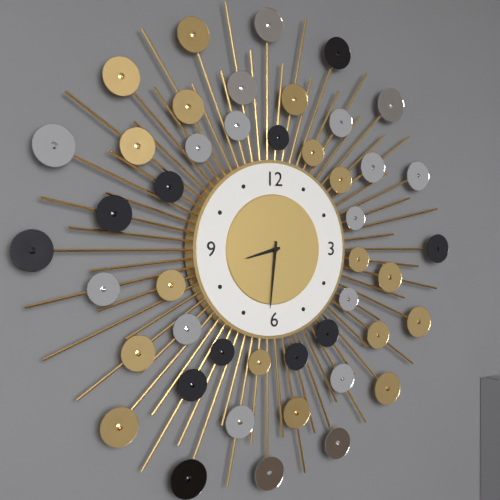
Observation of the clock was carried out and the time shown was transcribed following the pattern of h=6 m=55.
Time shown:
h=8 m=31
